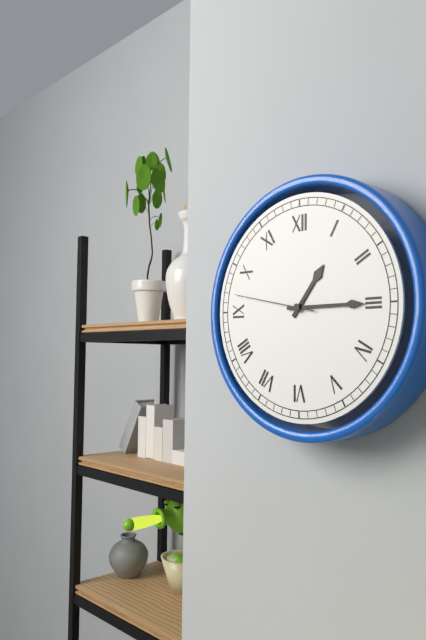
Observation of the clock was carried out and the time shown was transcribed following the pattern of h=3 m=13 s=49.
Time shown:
h=1 m=15 s=47
